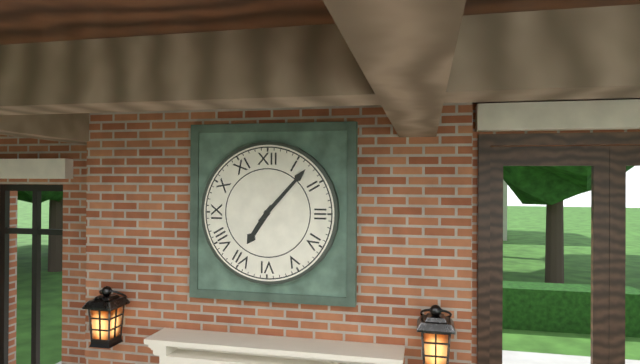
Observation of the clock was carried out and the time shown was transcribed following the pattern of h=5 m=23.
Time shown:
h=7 m=7
